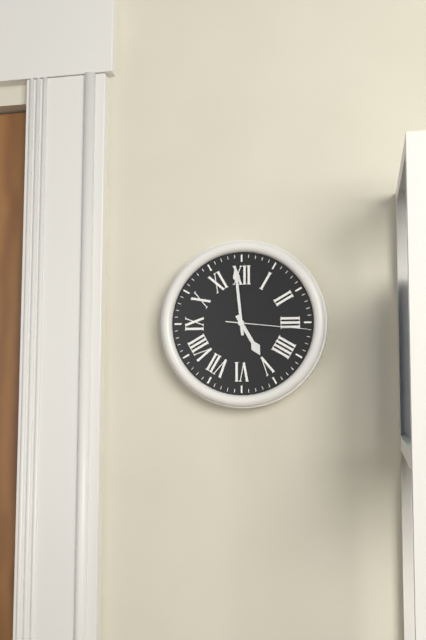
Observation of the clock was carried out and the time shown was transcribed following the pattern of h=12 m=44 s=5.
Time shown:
h=4 m=59 s=16
